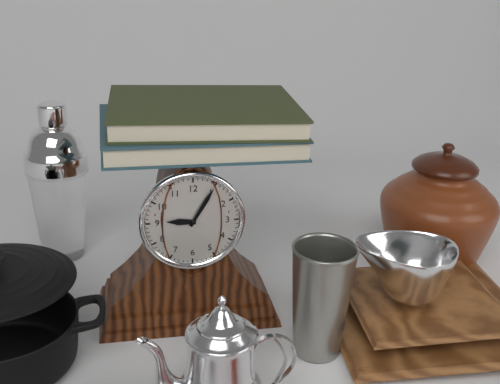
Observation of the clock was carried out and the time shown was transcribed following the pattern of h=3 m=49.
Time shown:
h=9 m=5
